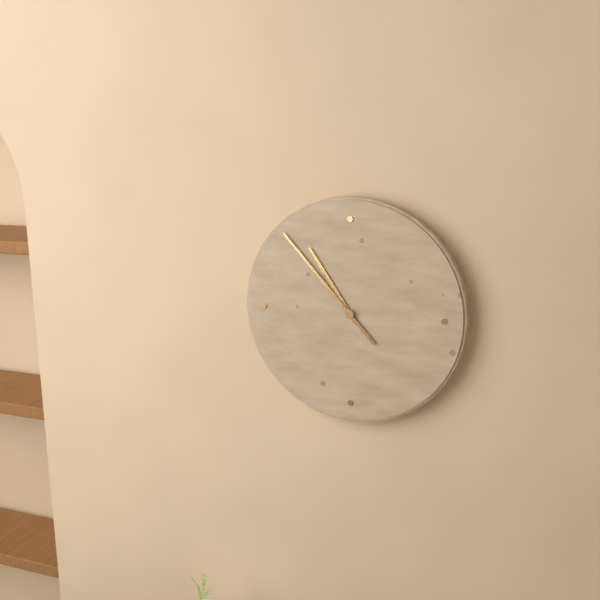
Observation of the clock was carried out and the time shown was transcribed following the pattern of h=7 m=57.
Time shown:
h=10 m=53
